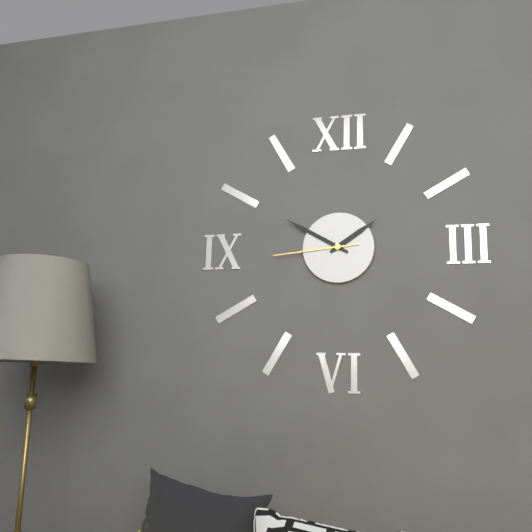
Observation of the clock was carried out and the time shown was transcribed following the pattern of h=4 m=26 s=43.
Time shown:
h=1 m=50 s=44
